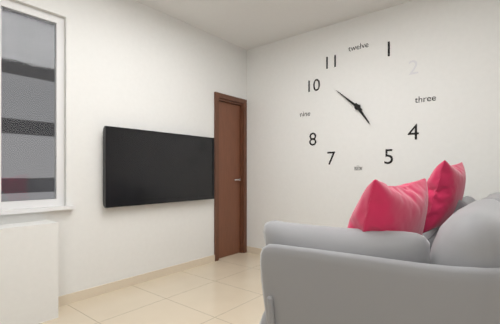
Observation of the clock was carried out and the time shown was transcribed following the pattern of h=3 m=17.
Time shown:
h=4 m=52
